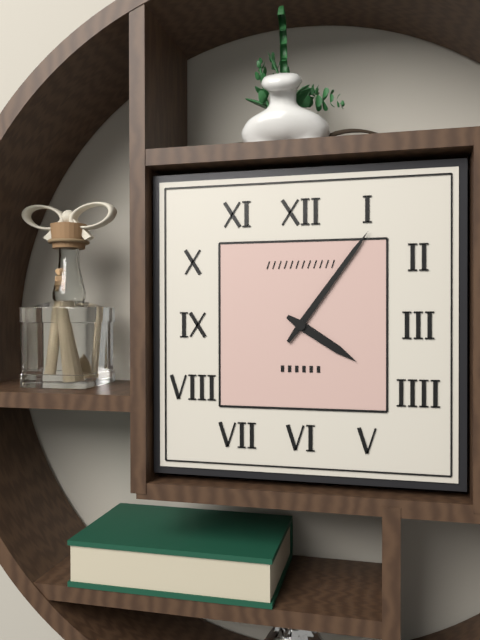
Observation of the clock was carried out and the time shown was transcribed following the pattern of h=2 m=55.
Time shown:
h=4 m=6
